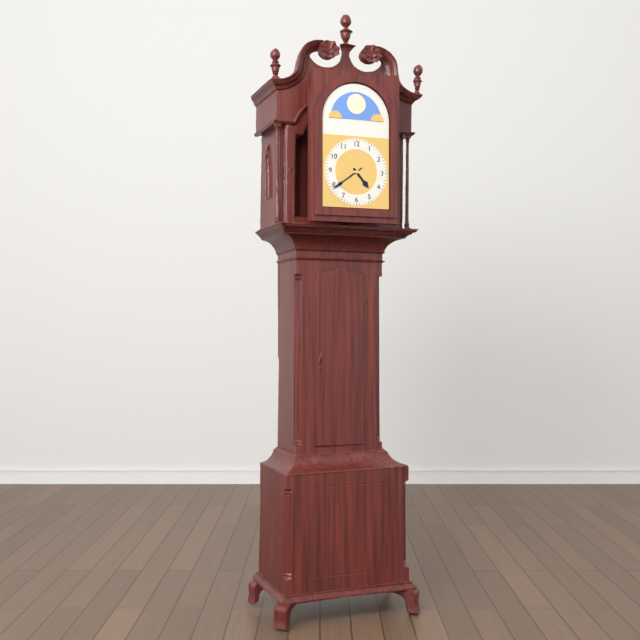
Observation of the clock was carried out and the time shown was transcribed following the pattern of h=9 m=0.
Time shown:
h=4 m=39
